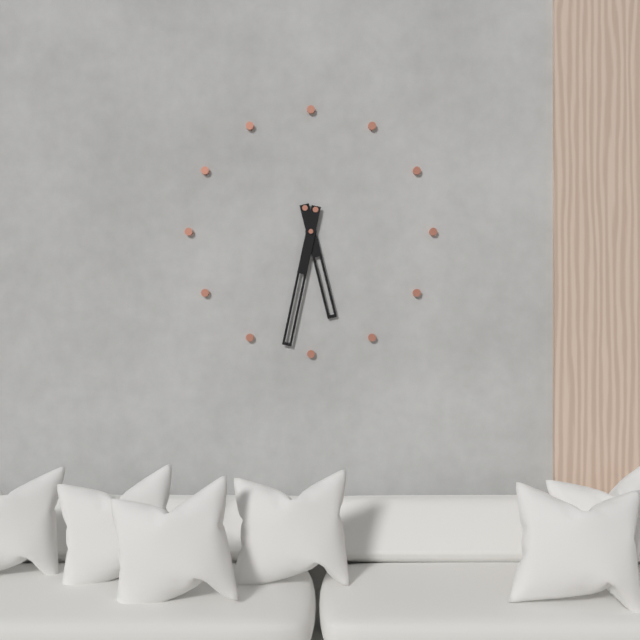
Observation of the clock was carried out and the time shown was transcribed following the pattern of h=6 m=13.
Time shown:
h=5 m=32
